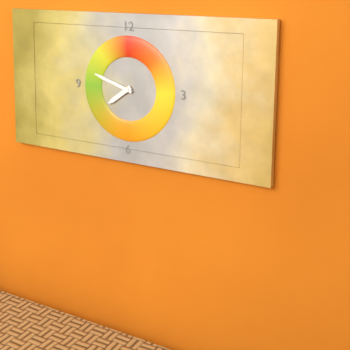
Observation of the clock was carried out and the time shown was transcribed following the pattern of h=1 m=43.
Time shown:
h=7 m=48
